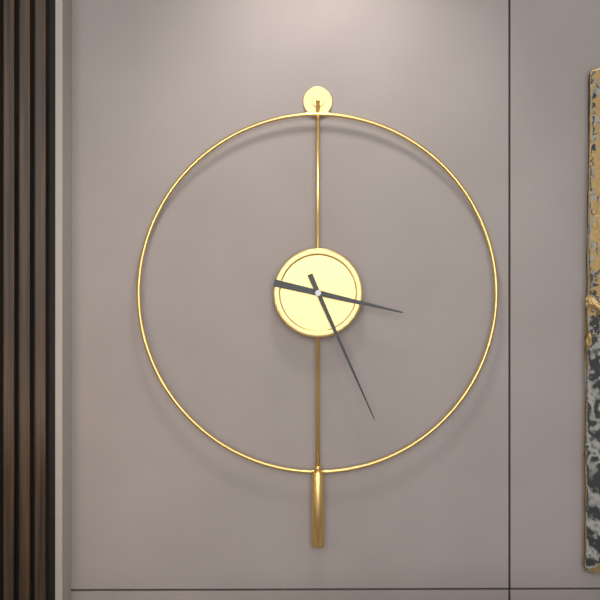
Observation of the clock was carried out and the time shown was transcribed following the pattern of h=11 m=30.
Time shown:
h=3 m=26
